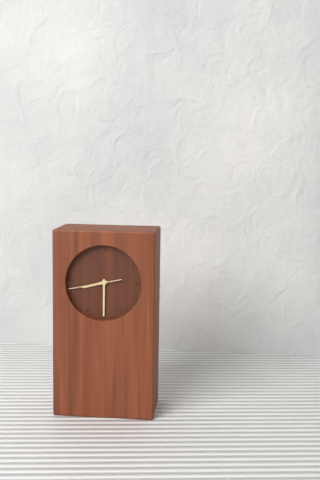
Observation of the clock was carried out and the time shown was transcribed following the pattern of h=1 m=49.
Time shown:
h=8 m=30
